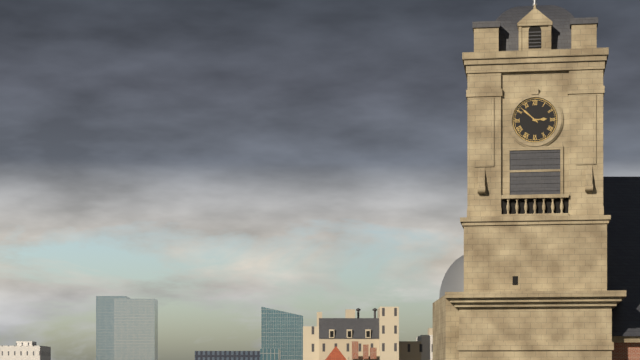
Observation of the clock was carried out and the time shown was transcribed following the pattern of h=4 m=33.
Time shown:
h=2 m=52
